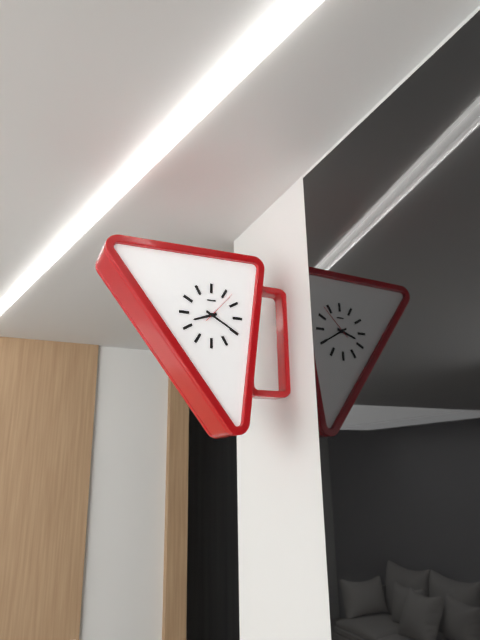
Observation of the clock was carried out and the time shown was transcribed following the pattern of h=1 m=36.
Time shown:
h=8 m=20
